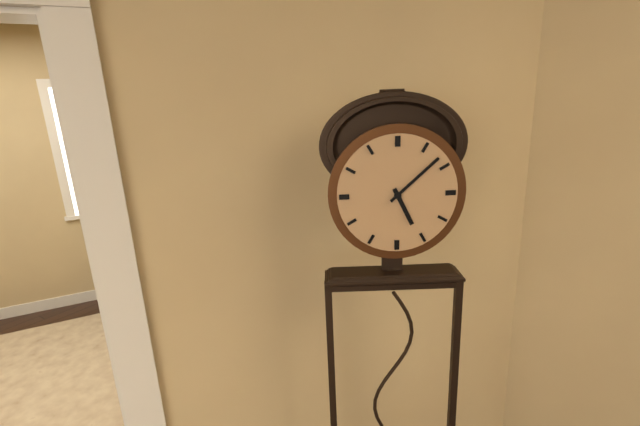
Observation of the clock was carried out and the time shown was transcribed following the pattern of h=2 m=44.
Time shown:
h=5 m=8
